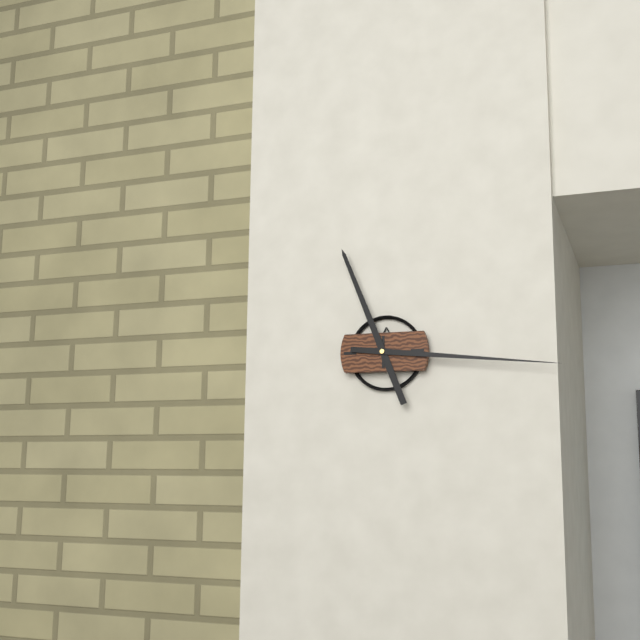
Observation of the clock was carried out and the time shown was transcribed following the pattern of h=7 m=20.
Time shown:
h=11 m=16
